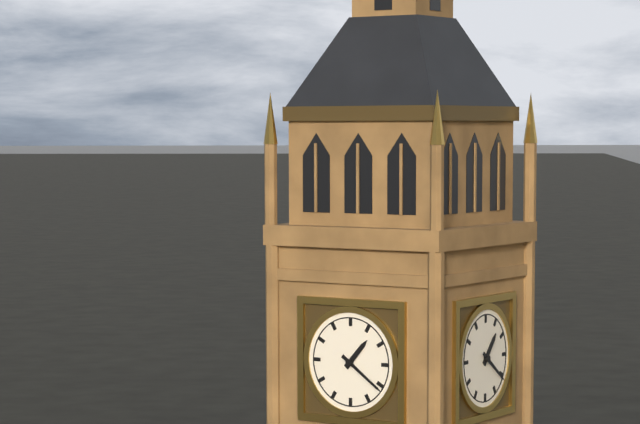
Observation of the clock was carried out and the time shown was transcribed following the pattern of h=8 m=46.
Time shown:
h=1 m=21
